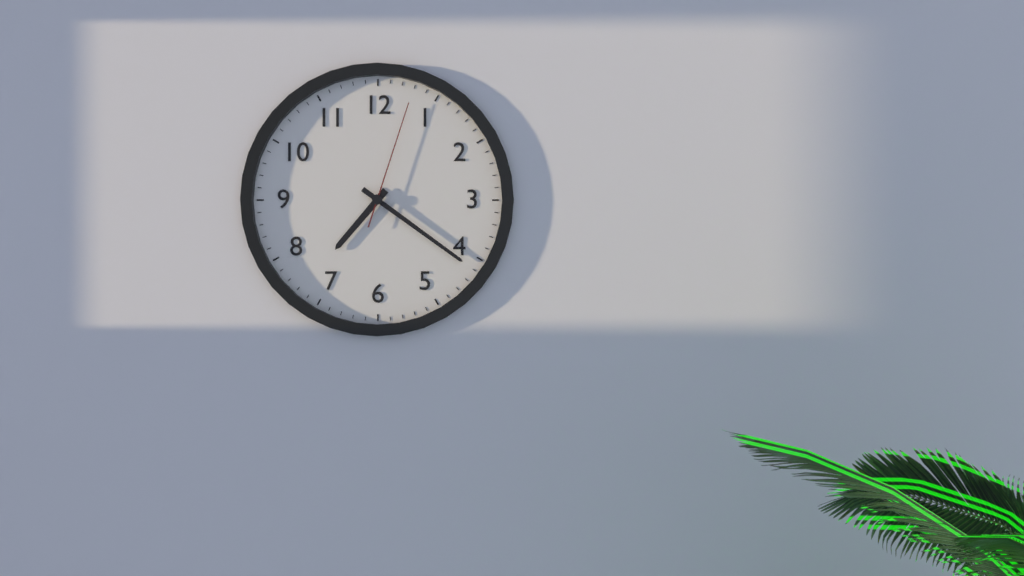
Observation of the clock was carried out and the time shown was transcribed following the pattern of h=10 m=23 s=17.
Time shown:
h=7 m=21 s=3
